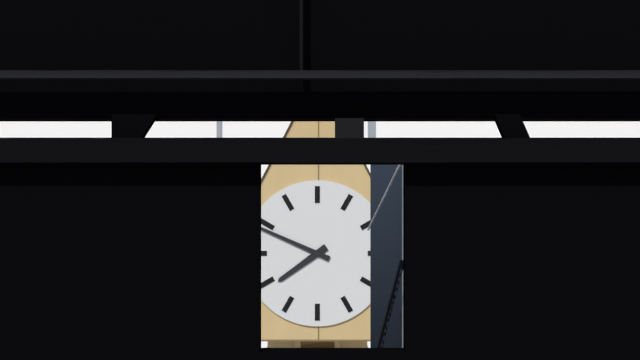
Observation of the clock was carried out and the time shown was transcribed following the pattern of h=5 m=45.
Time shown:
h=7 m=49
